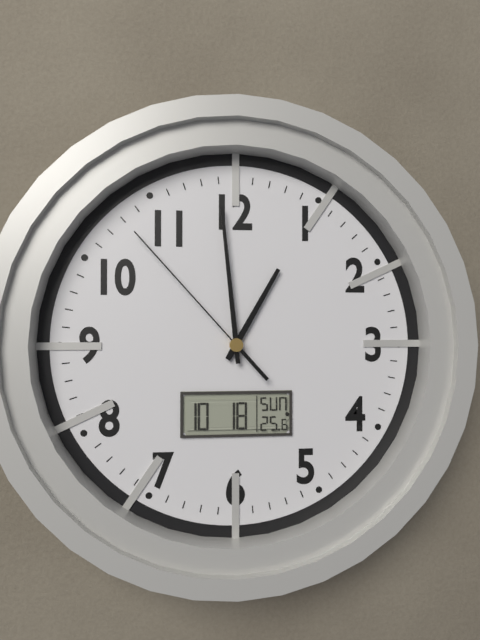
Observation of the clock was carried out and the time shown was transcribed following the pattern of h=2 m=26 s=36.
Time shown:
h=12 m=59 s=53
